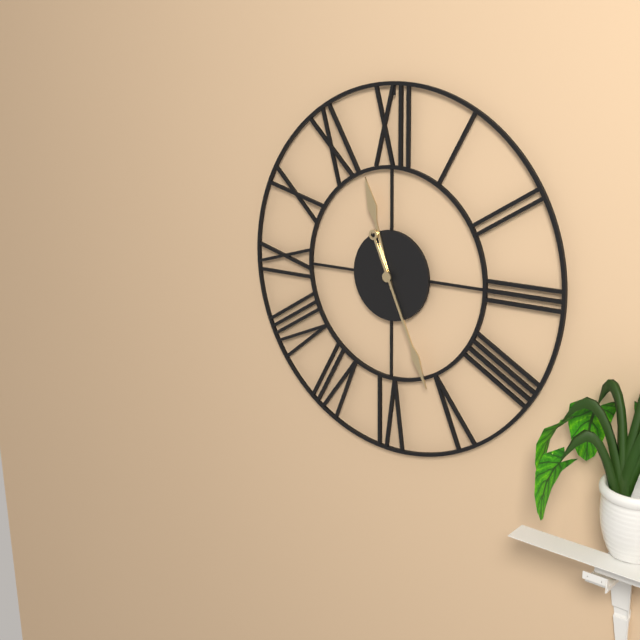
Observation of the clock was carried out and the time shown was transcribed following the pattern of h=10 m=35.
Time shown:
h=11 m=26
